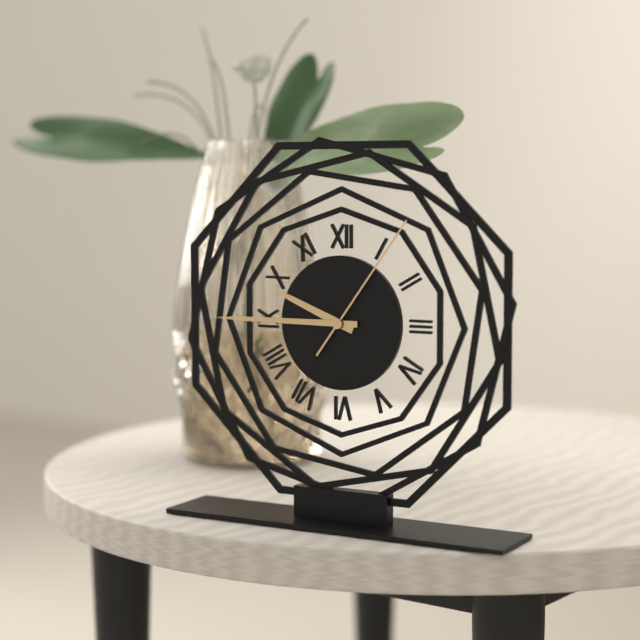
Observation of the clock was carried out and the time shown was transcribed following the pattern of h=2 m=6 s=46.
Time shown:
h=9 m=45 s=6
